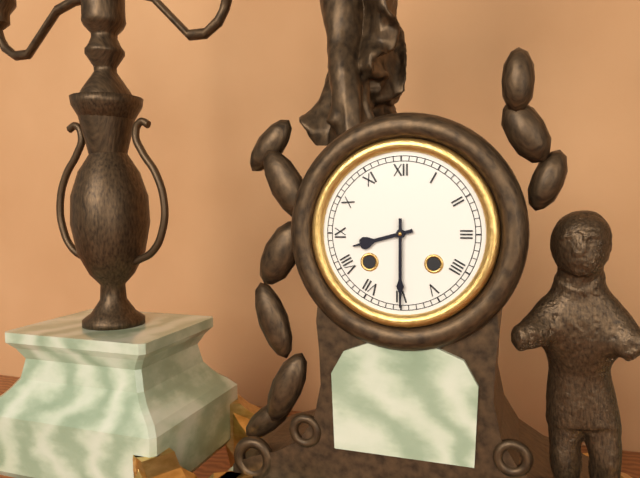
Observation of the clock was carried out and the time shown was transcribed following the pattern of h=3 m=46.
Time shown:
h=8 m=30
